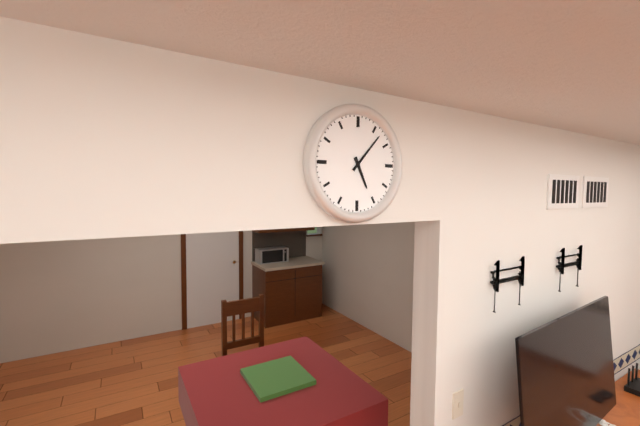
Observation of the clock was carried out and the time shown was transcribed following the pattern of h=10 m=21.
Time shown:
h=5 m=7
